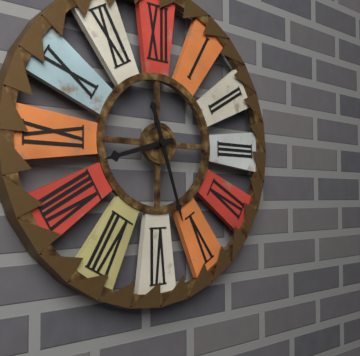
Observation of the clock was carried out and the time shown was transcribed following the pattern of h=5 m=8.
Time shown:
h=8 m=27
